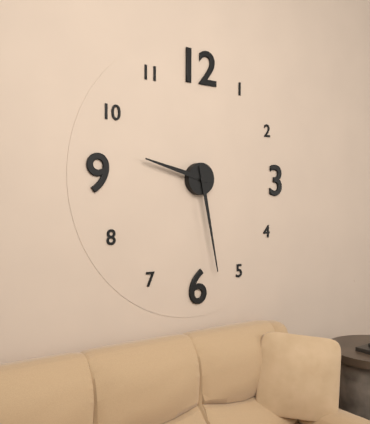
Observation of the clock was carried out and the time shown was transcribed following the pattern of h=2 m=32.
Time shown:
h=9 m=28
